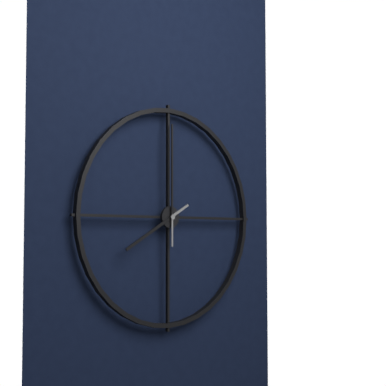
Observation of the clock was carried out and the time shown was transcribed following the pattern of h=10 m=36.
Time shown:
h=8 m=0
